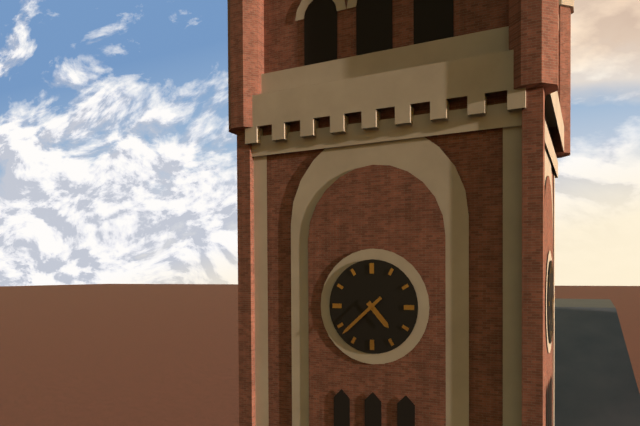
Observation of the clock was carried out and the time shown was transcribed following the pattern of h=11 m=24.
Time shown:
h=4 m=38
